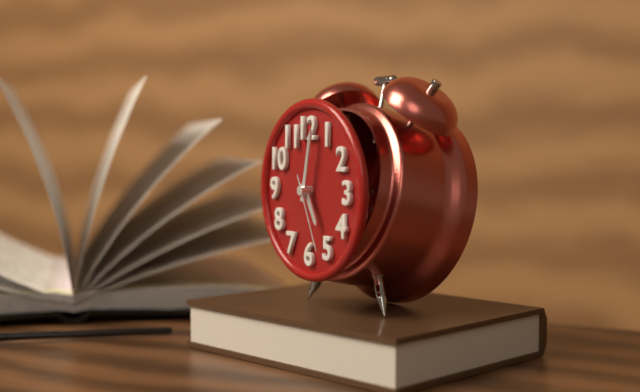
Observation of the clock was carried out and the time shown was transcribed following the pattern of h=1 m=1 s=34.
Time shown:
h=5 m=2 s=26
